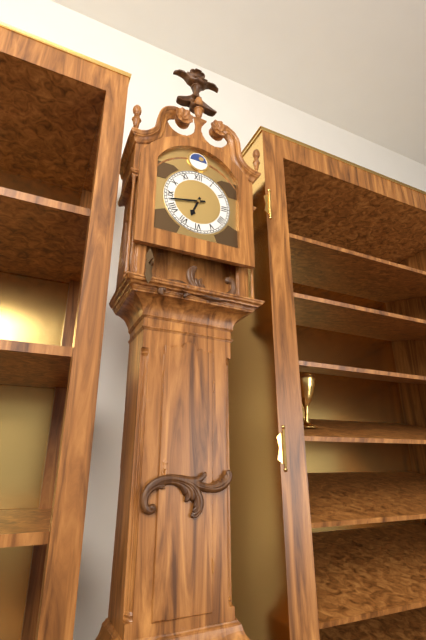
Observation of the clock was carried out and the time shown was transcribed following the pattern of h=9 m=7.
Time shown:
h=6 m=43
